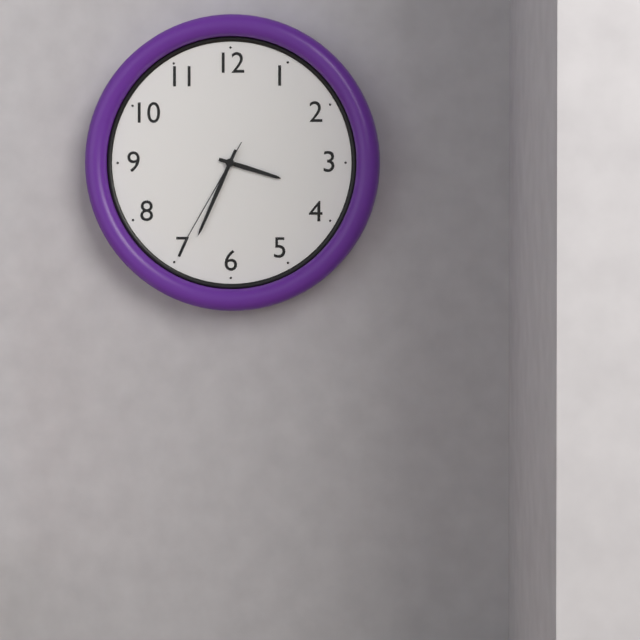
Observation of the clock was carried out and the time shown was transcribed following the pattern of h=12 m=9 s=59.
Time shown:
h=3 m=34 s=35
